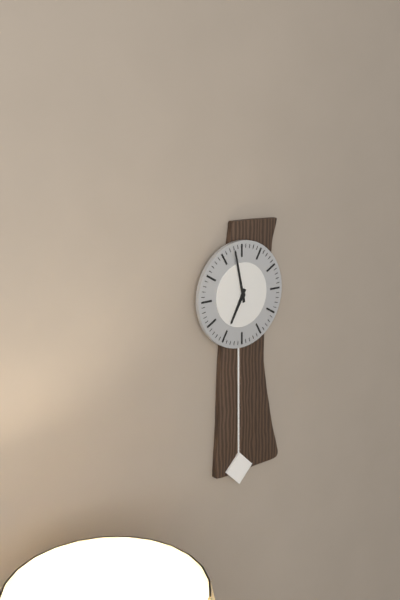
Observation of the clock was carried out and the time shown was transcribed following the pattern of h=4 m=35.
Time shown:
h=6 m=58
